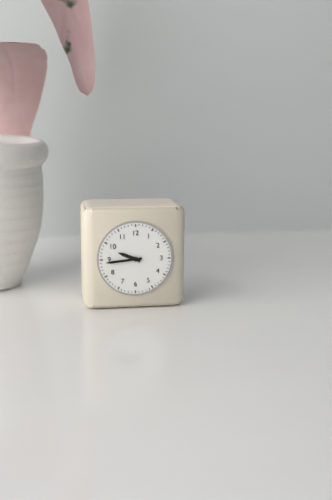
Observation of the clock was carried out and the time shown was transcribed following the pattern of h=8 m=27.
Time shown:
h=9 m=44
